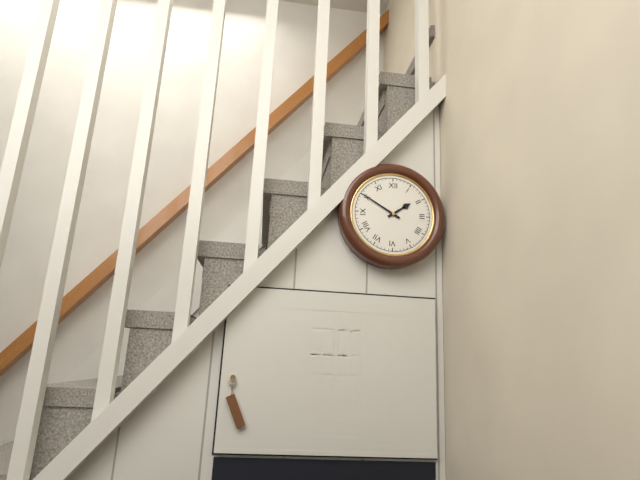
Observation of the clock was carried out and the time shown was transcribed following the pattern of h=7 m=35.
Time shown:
h=1 m=50
